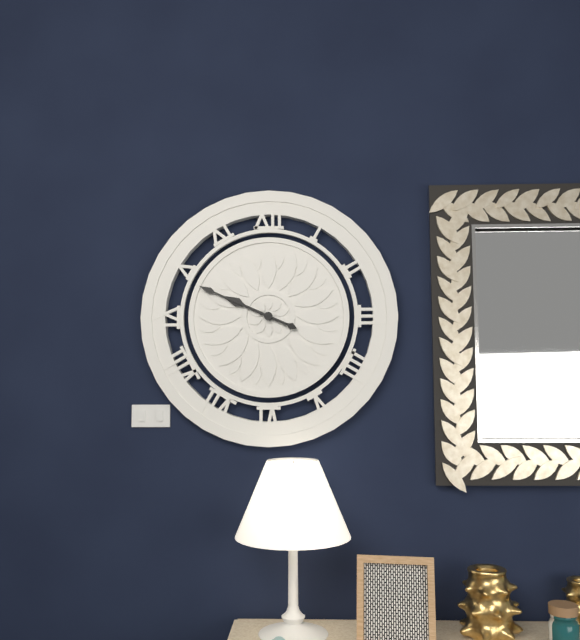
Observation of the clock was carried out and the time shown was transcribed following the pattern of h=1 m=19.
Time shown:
h=9 m=49
